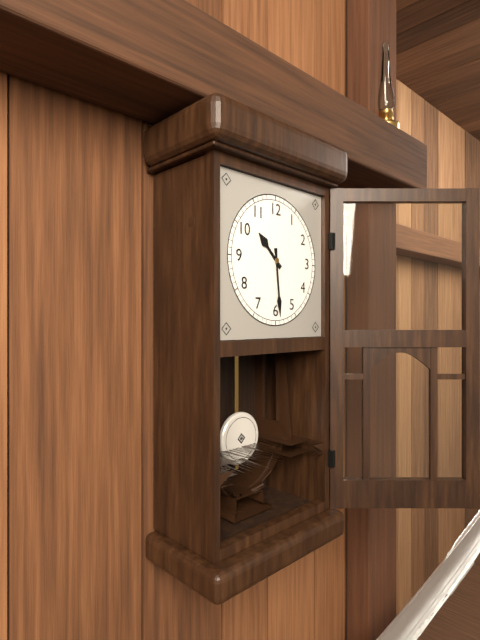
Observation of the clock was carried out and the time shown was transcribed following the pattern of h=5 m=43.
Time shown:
h=10 m=29
